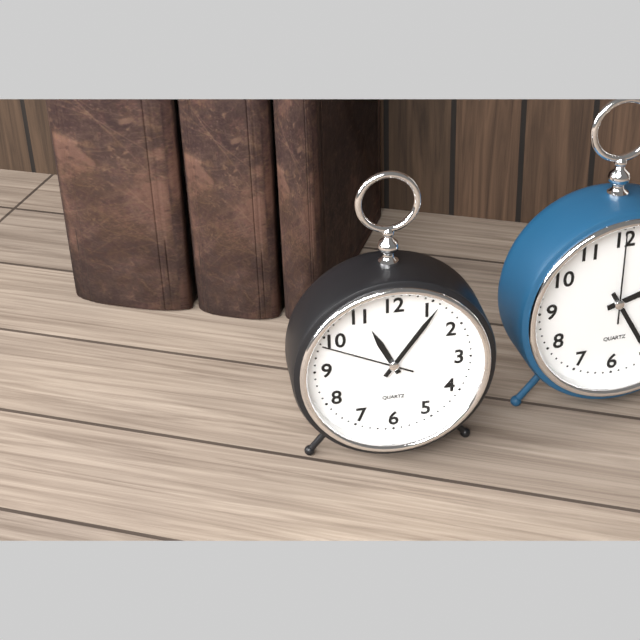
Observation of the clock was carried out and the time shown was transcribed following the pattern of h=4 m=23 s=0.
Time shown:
h=11 m=6 s=49
